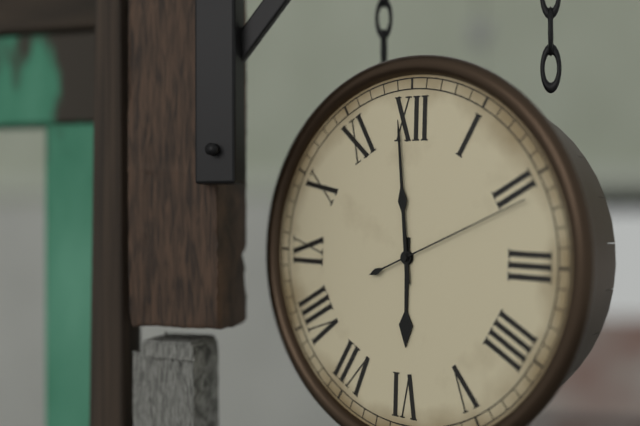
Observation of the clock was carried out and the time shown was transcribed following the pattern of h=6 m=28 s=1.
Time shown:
h=5 m=59 s=11
